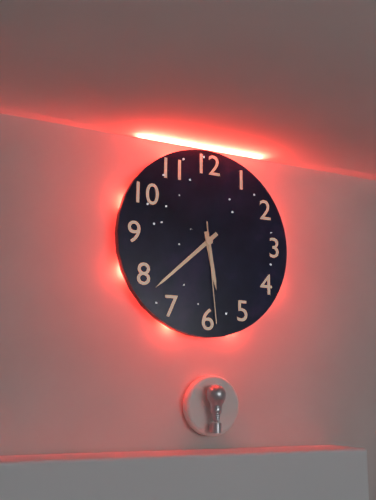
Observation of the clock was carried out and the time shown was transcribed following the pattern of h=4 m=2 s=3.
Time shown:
h=5 m=38 s=29
